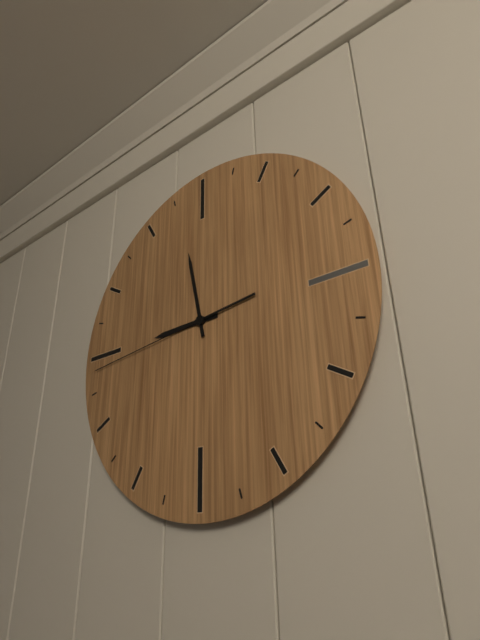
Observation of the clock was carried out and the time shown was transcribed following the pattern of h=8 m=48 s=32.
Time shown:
h=8 m=58 s=44
